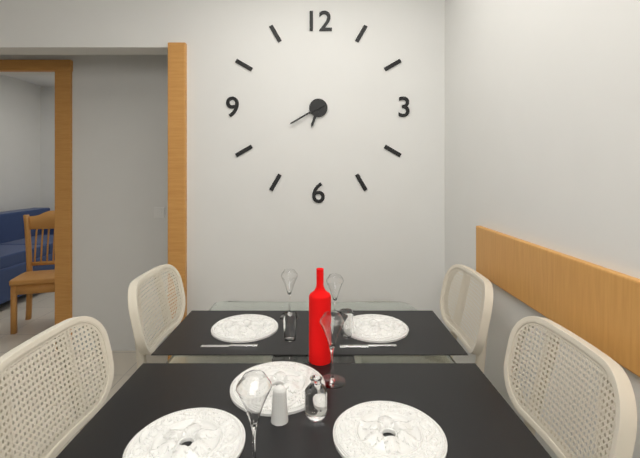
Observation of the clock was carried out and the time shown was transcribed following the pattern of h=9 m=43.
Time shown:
h=6 m=40
